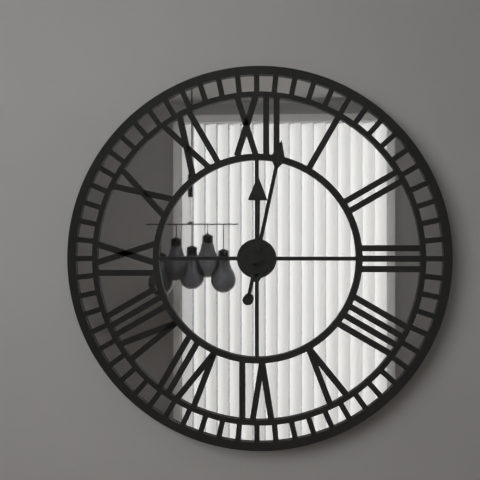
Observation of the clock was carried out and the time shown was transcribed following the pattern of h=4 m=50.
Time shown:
h=12 m=2
